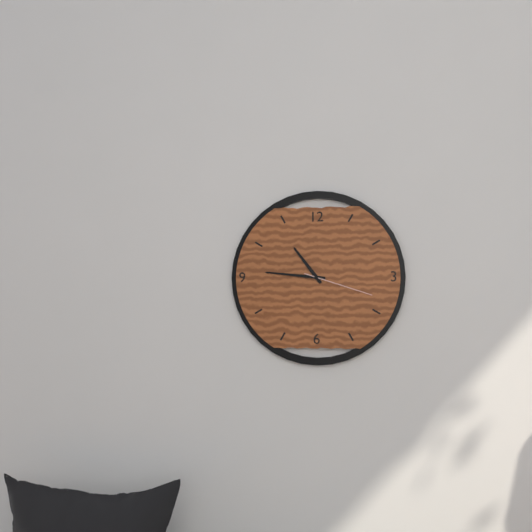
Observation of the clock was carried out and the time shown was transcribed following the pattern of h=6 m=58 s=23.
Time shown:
h=10 m=46 s=18
